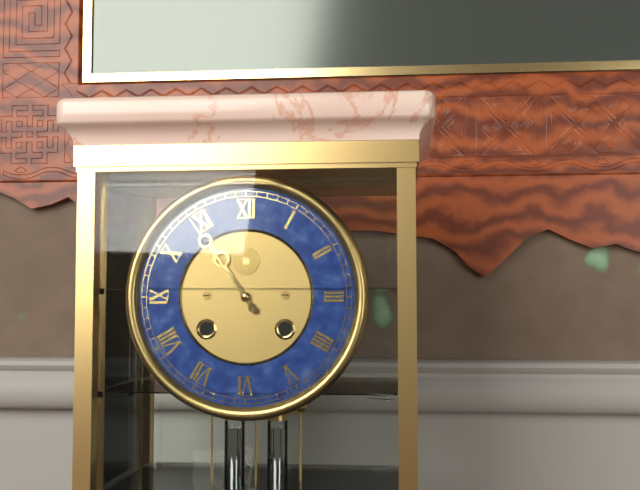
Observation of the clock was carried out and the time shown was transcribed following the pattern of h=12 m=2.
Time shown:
h=10 m=54
